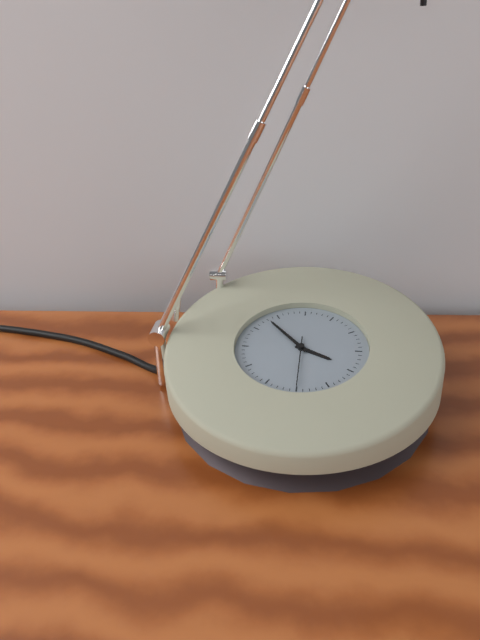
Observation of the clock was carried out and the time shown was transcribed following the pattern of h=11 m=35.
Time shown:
h=3 m=53
